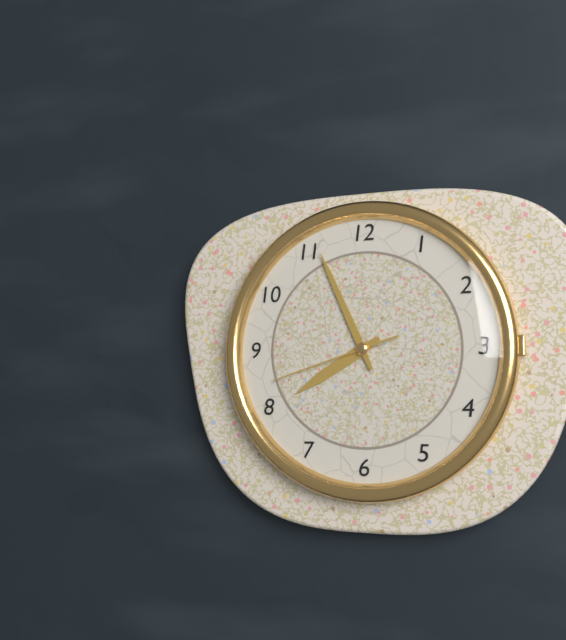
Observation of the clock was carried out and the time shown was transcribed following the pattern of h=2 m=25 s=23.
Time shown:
h=7 m=56 s=42
